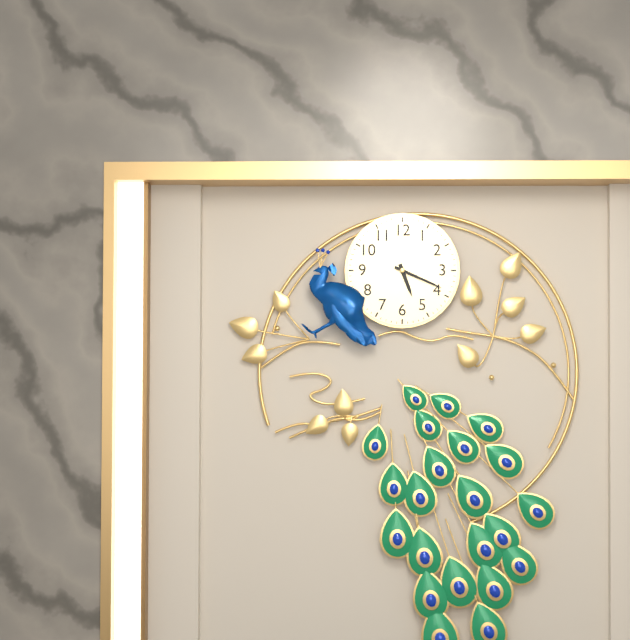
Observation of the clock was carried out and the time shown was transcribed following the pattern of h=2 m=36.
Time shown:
h=5 m=19
